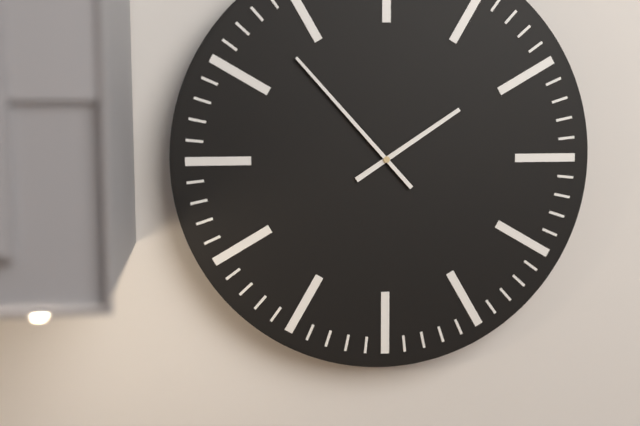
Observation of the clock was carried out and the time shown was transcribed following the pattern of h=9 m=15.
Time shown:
h=1 m=53
